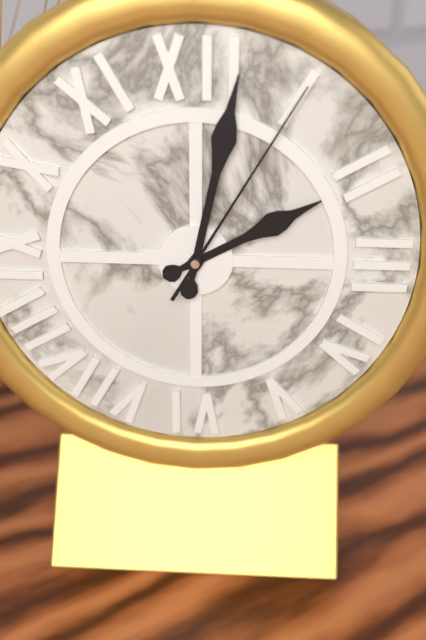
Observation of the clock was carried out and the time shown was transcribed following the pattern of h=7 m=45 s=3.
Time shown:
h=2 m=2 s=5
